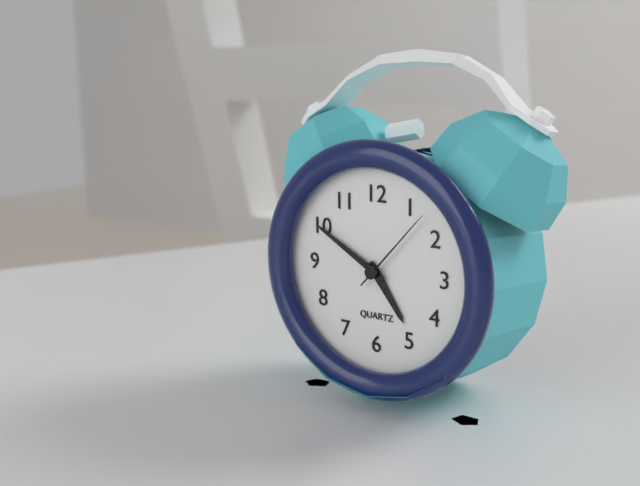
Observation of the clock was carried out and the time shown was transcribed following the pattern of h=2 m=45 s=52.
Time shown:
h=4 m=50 s=7
